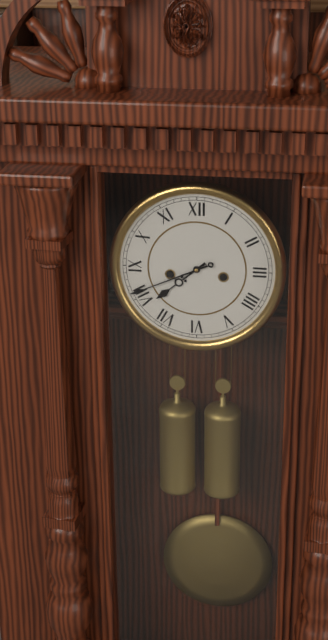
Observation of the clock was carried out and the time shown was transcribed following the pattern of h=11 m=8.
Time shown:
h=7 m=41
